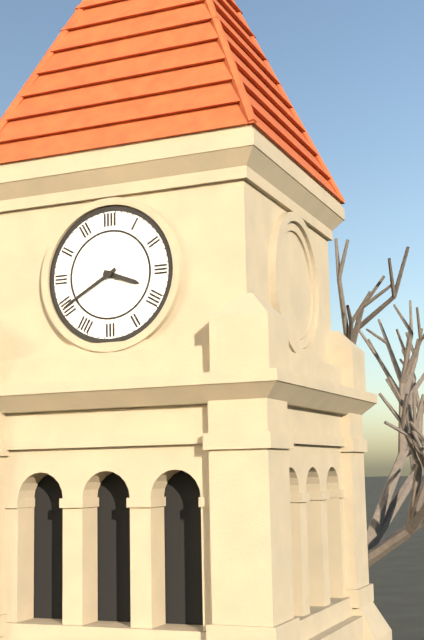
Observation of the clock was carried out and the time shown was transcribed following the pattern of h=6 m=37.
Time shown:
h=3 m=40
